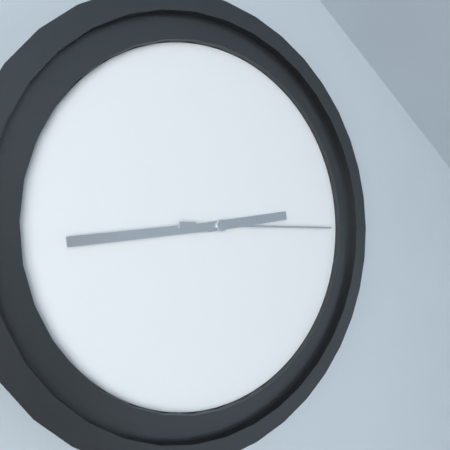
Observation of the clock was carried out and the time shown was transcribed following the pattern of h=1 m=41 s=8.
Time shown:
h=2 m=44 s=15
